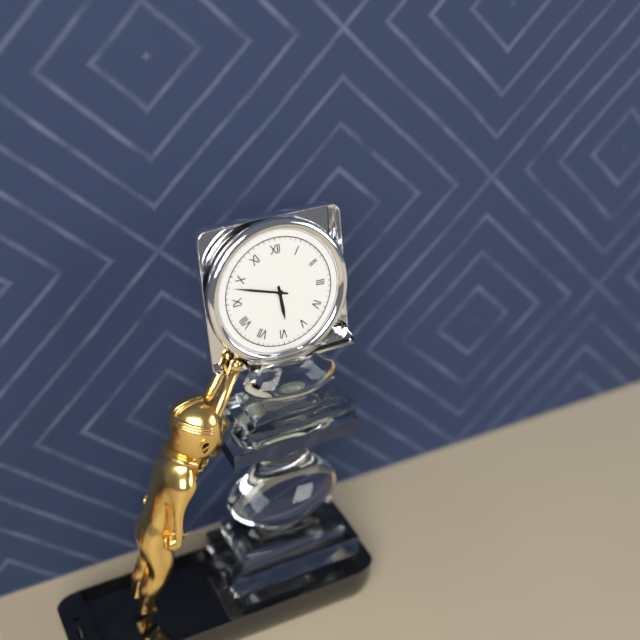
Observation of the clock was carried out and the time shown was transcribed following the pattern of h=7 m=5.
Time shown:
h=5 m=48
